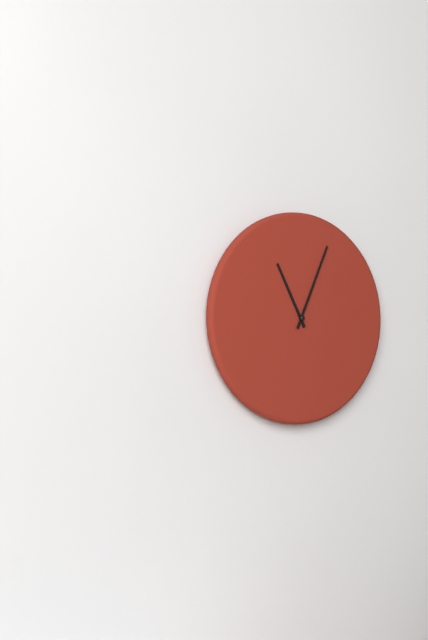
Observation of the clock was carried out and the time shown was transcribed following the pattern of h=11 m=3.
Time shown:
h=11 m=4
